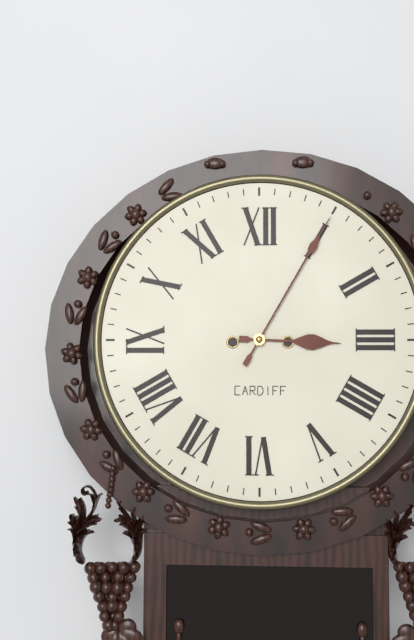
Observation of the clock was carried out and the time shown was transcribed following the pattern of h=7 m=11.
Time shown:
h=3 m=5
